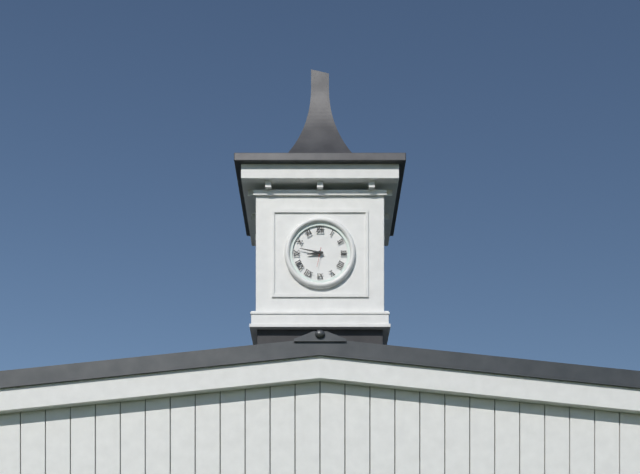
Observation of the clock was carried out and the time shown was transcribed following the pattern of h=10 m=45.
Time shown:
h=8 m=47
